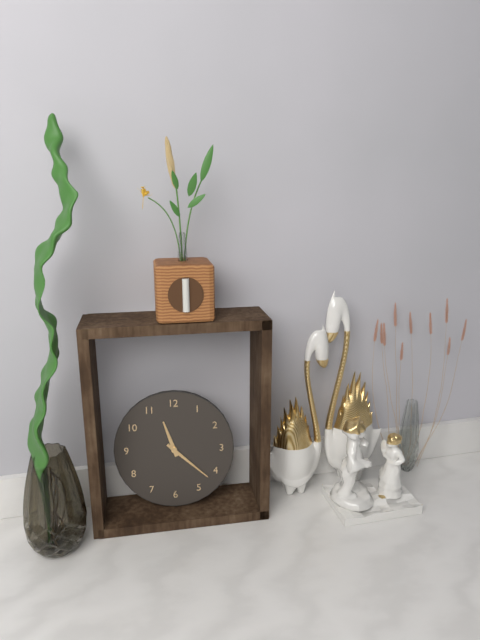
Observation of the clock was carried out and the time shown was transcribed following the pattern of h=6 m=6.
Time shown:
h=11 m=22
